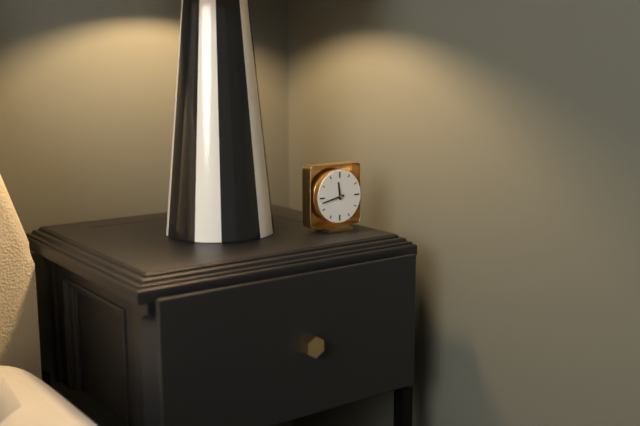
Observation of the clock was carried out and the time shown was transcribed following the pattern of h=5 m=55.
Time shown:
h=11 m=43
